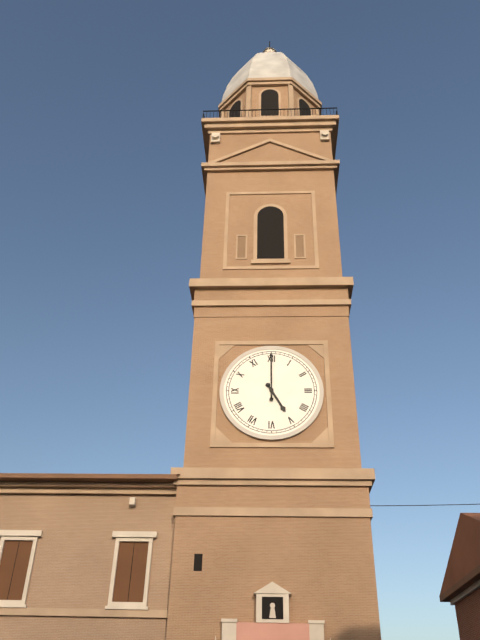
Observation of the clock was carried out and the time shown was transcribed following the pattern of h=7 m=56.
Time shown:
h=5 m=0
